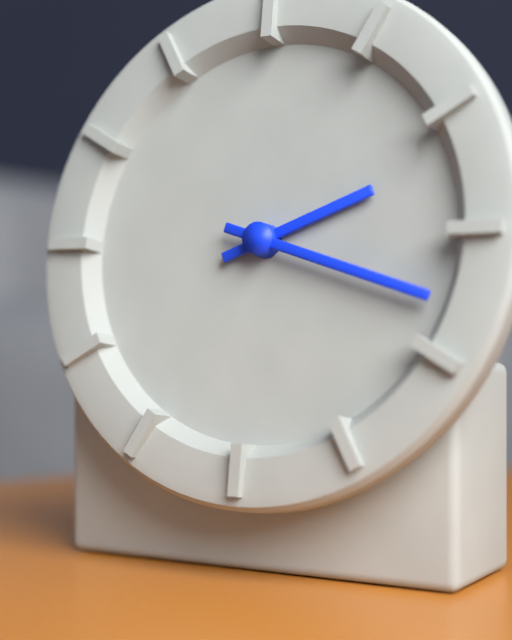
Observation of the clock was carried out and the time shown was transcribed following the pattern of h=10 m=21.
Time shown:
h=2 m=18
